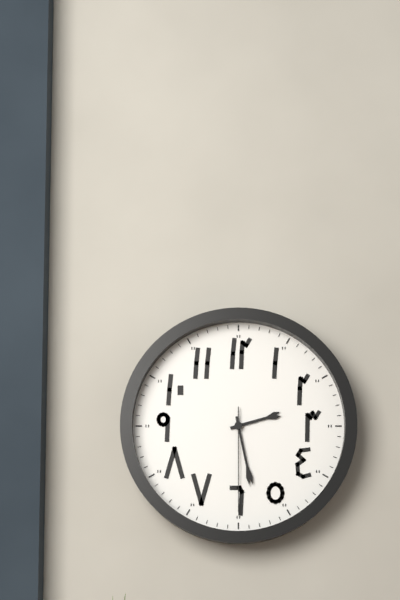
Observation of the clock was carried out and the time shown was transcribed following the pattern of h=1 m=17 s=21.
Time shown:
h=2 m=28 s=30
